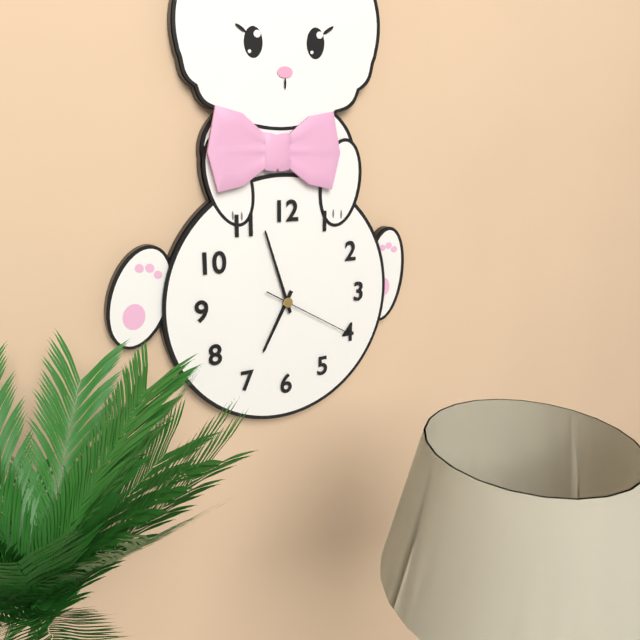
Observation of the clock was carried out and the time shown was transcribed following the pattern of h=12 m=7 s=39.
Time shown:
h=6 m=57 s=20
